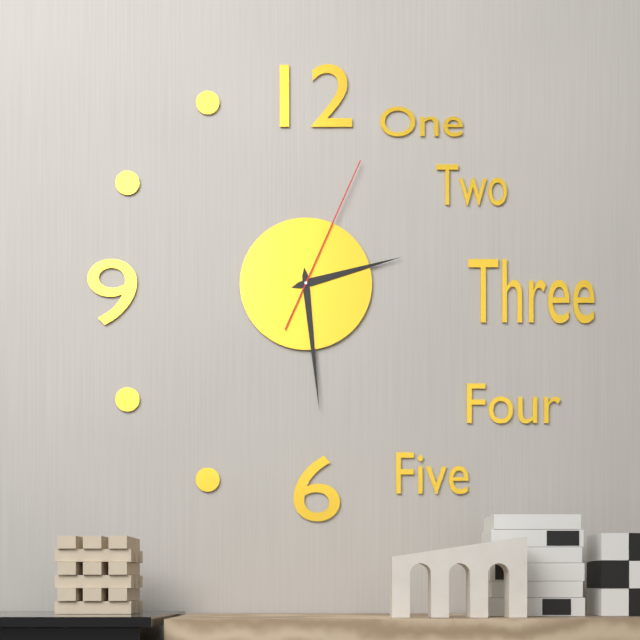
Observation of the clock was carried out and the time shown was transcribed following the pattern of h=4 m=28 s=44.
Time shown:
h=2 m=29 s=4
